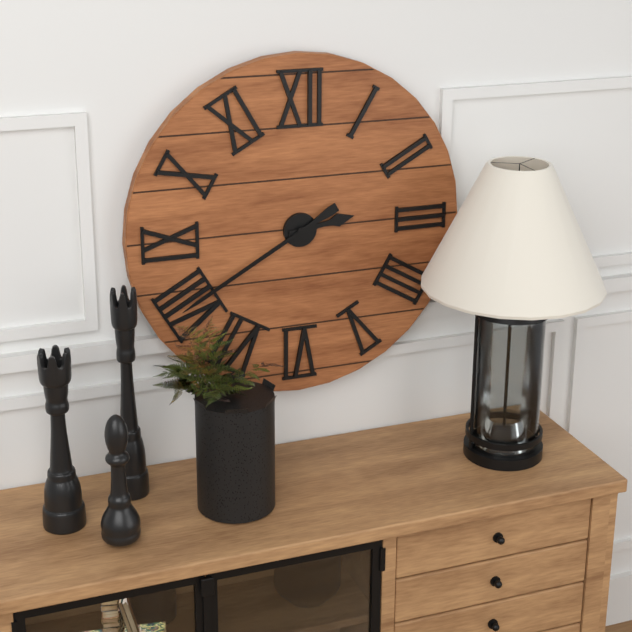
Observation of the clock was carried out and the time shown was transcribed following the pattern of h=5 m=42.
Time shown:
h=2 m=40
